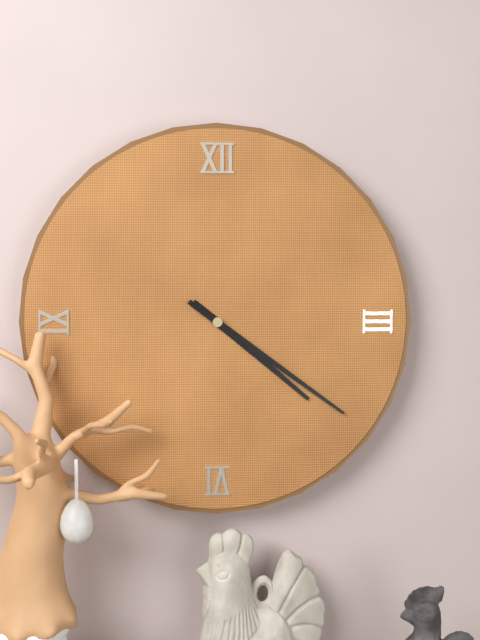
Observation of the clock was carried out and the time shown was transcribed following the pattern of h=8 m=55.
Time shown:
h=4 m=21
